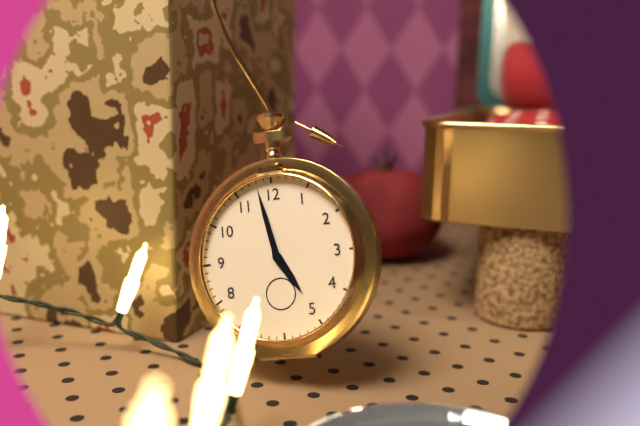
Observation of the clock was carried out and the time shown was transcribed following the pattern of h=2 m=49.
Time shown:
h=4 m=58
